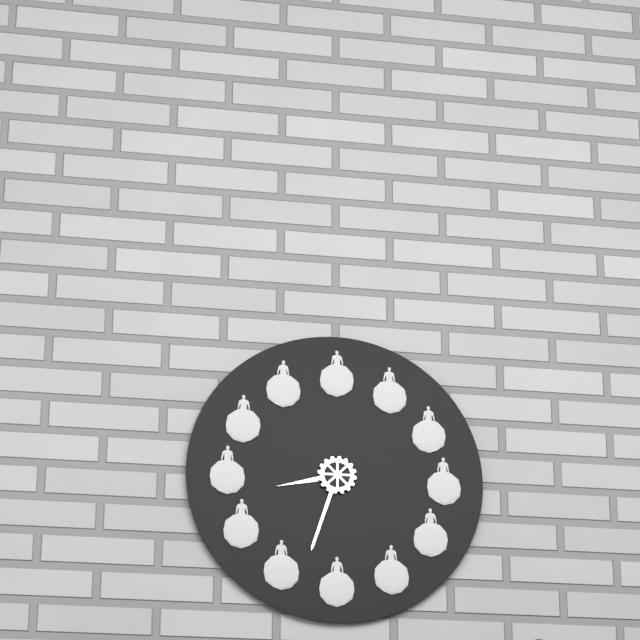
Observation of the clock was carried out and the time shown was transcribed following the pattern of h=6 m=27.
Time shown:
h=8 m=33
